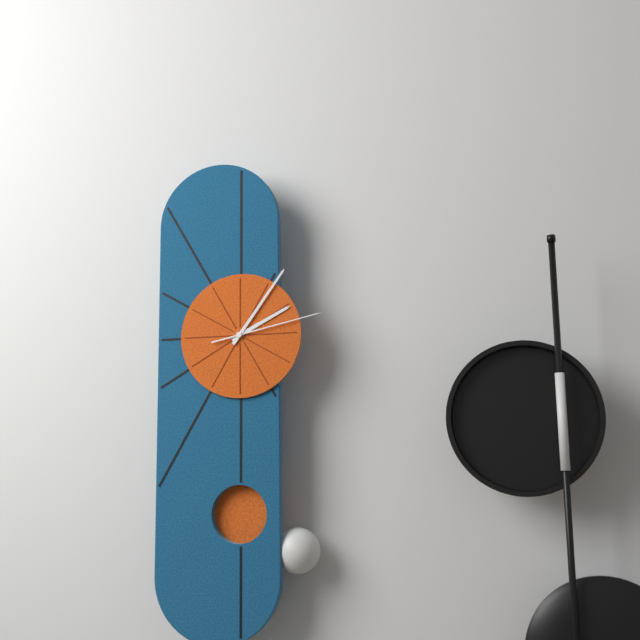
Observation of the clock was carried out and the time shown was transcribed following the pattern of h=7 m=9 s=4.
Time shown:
h=2 m=6 s=13
